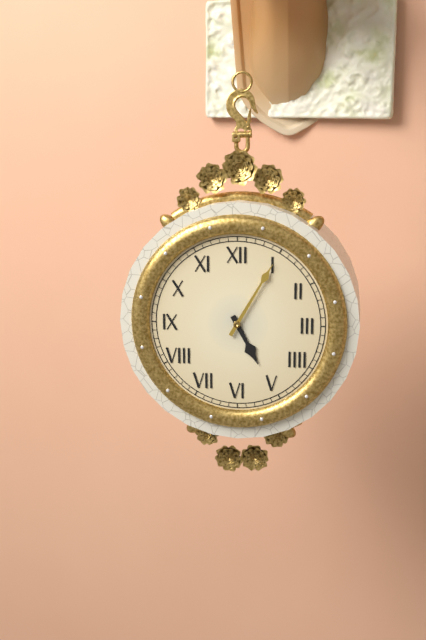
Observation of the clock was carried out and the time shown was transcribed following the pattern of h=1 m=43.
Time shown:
h=5 m=5
